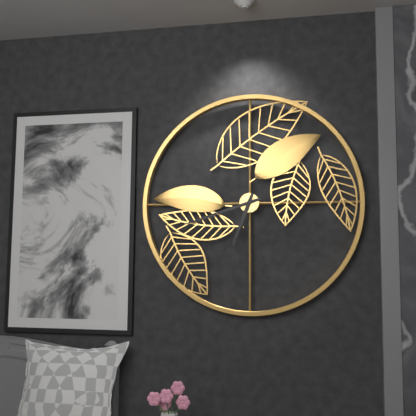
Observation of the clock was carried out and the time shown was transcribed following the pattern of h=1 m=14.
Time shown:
h=6 m=42
